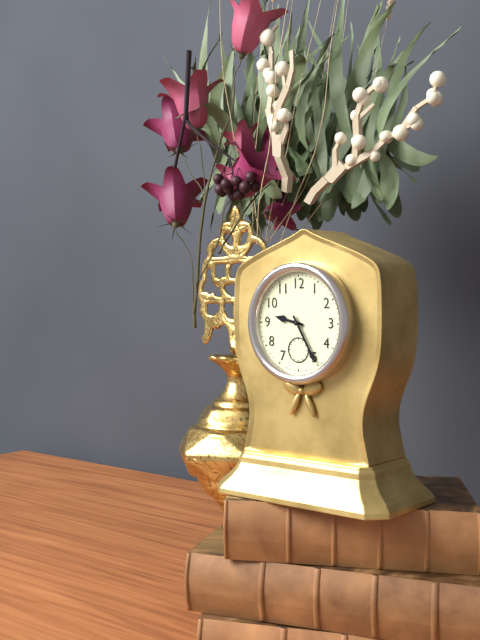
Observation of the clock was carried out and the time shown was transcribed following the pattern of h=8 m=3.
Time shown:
h=9 m=25
